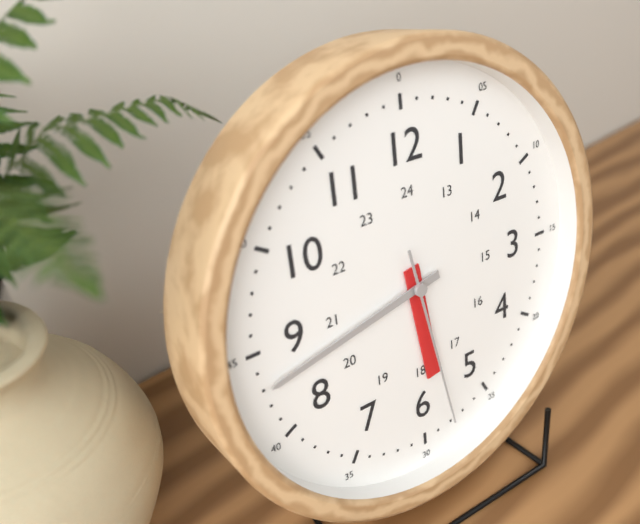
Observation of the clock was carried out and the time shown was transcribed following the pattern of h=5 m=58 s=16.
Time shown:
h=5 m=43 s=28
